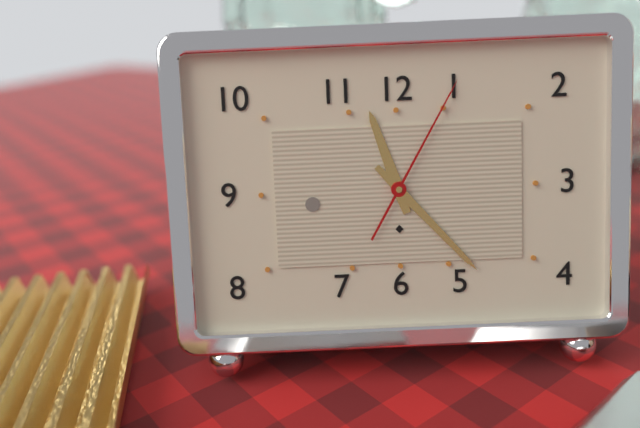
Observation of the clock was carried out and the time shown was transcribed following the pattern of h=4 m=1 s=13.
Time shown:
h=11 m=23 s=5
